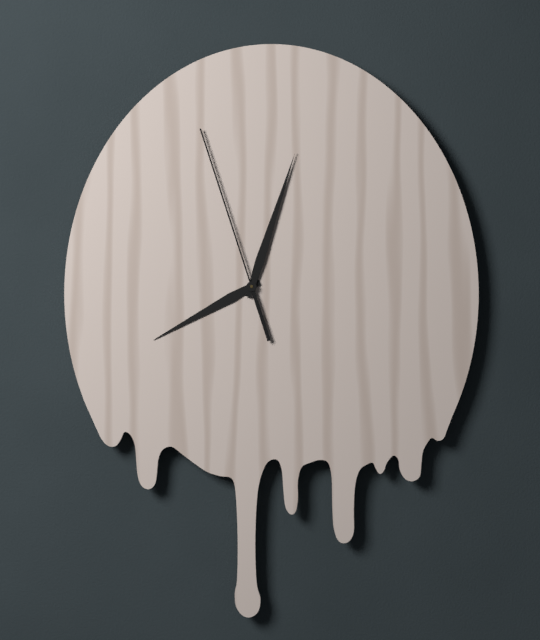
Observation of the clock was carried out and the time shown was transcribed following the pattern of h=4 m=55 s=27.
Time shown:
h=8 m=3 s=57
